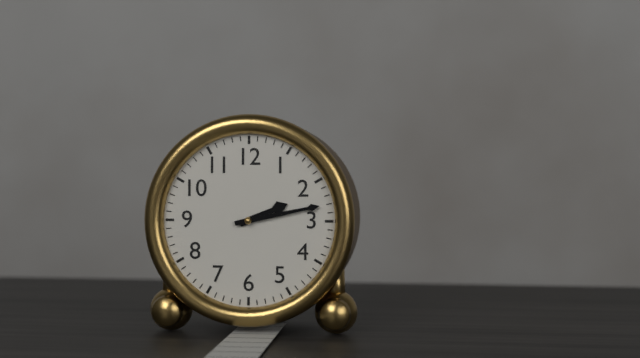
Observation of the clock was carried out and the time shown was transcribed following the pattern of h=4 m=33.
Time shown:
h=2 m=13
